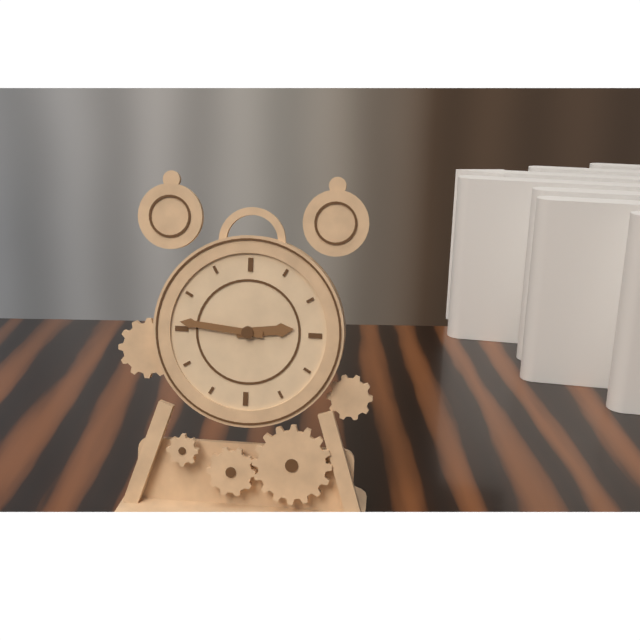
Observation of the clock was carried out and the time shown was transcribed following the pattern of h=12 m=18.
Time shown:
h=2 m=46
